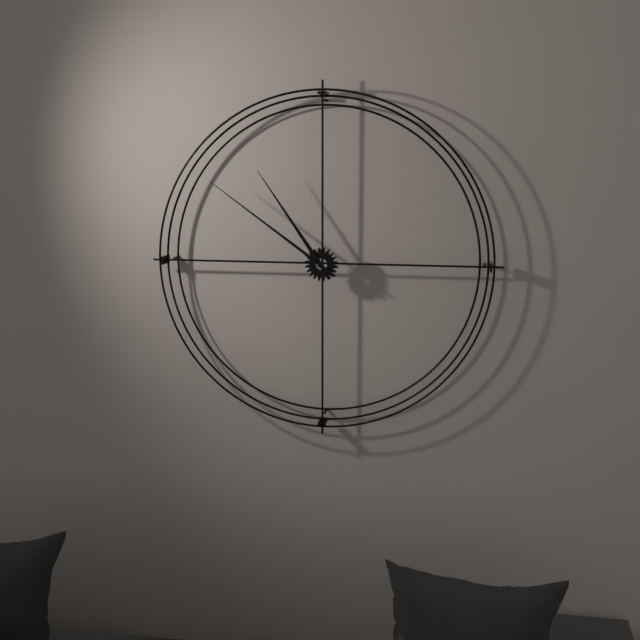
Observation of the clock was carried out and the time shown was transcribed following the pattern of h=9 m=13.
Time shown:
h=10 m=51
